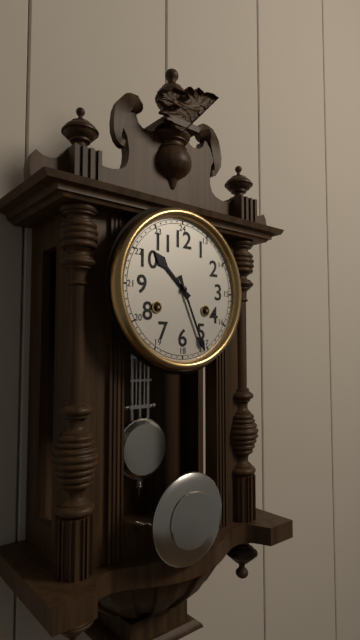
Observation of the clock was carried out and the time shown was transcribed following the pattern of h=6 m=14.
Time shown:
h=10 m=26
